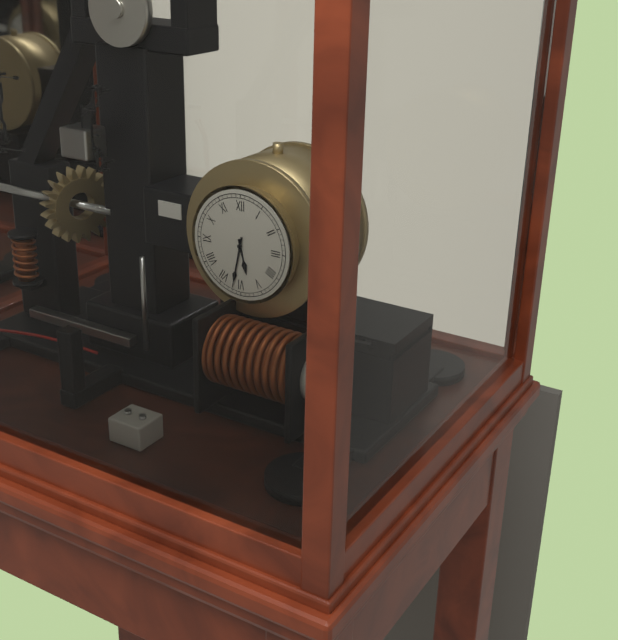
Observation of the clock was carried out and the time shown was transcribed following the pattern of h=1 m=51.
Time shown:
h=5 m=32
